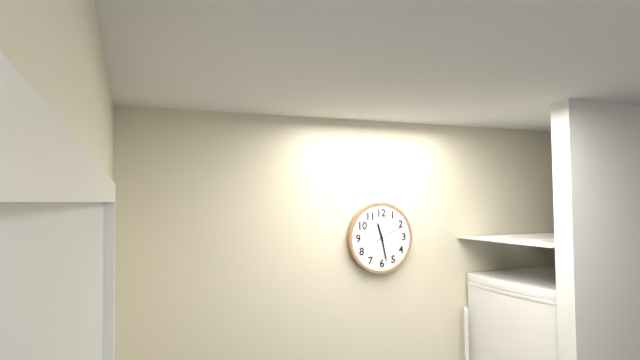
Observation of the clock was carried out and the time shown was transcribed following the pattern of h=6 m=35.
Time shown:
h=11 m=28
